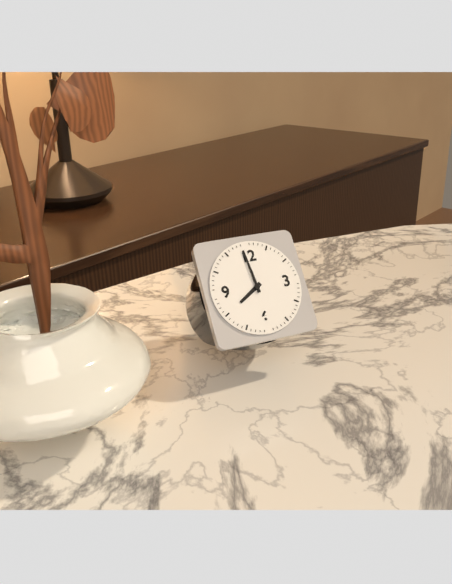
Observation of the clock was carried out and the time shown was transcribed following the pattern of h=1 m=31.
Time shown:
h=7 m=59
